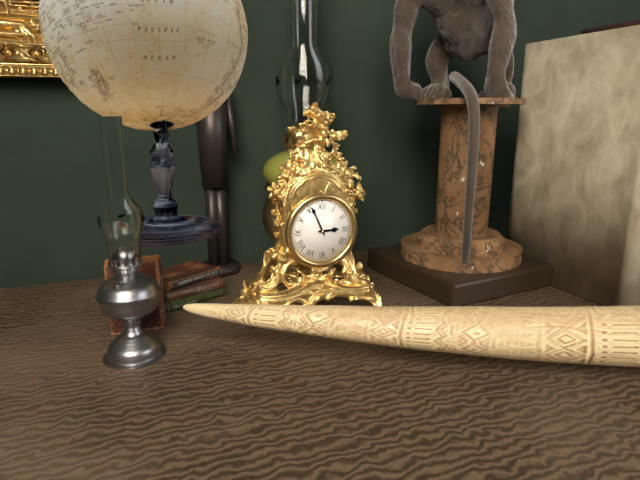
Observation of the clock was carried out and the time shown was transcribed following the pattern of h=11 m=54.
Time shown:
h=2 m=56
